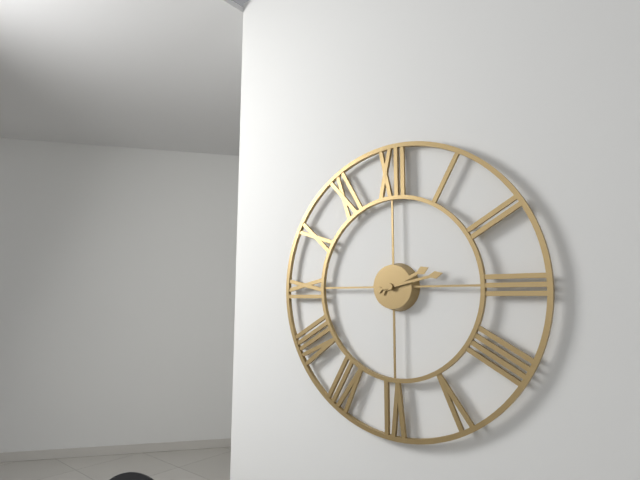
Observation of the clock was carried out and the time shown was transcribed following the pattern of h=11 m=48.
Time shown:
h=2 m=13
